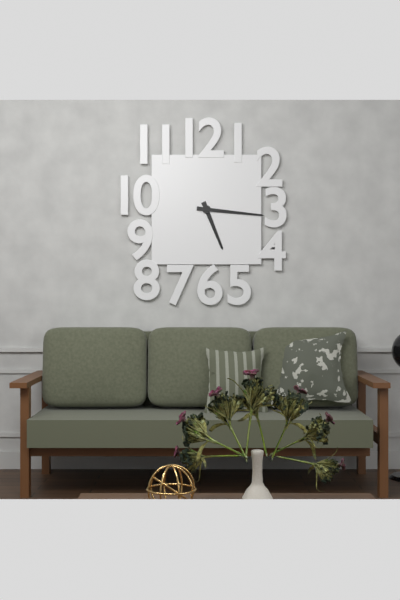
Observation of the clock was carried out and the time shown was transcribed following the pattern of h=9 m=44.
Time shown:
h=5 m=16
